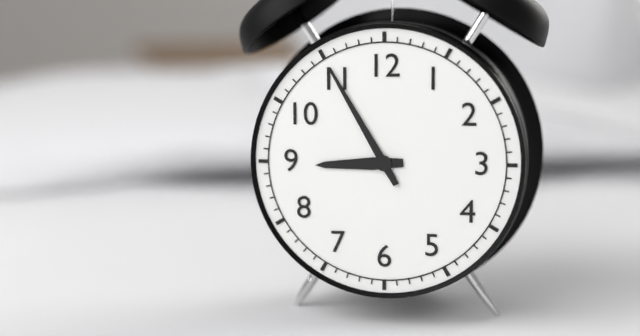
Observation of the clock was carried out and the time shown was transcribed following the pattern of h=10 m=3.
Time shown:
h=8 m=55
